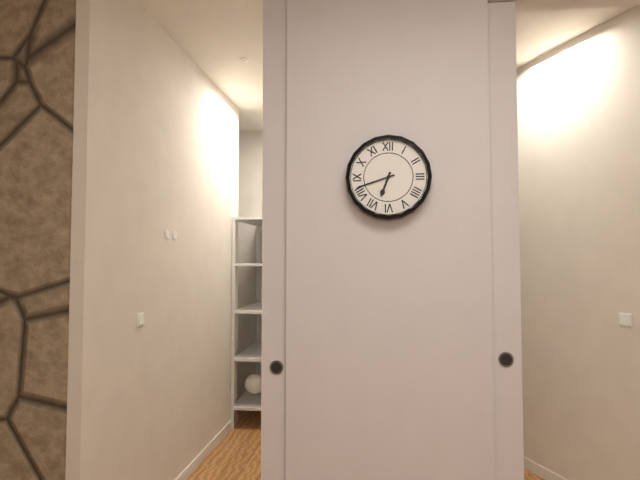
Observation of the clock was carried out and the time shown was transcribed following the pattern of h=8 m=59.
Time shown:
h=6 m=42
